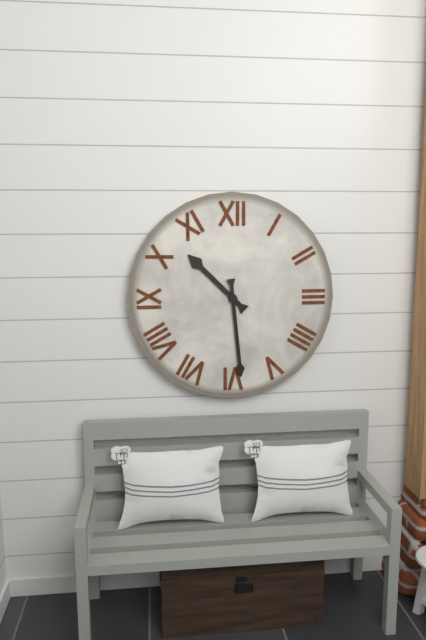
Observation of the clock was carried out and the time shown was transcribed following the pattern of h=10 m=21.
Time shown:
h=10 m=29
